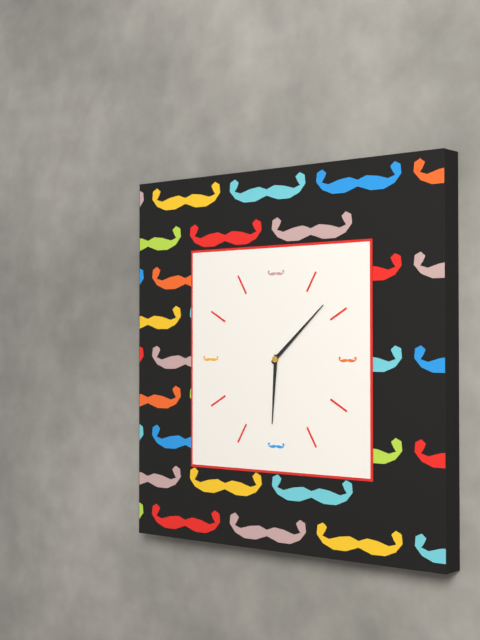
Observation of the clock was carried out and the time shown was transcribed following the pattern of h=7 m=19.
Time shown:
h=6 m=8
